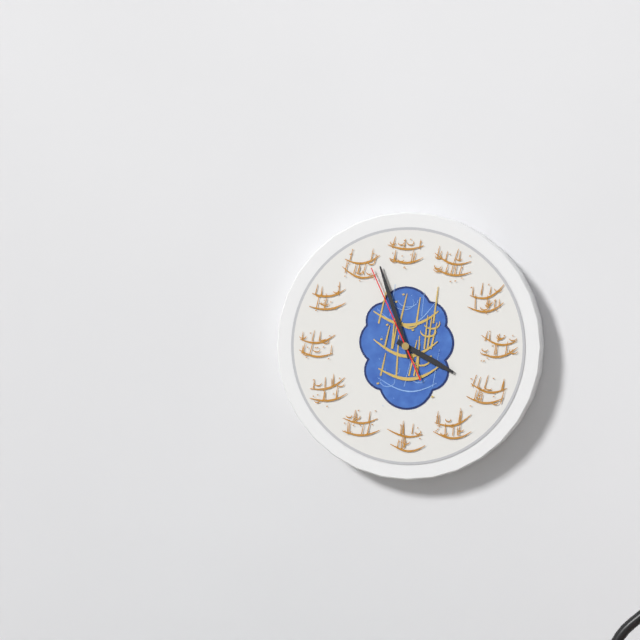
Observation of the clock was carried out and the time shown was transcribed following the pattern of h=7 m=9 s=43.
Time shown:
h=3 m=57 s=56
